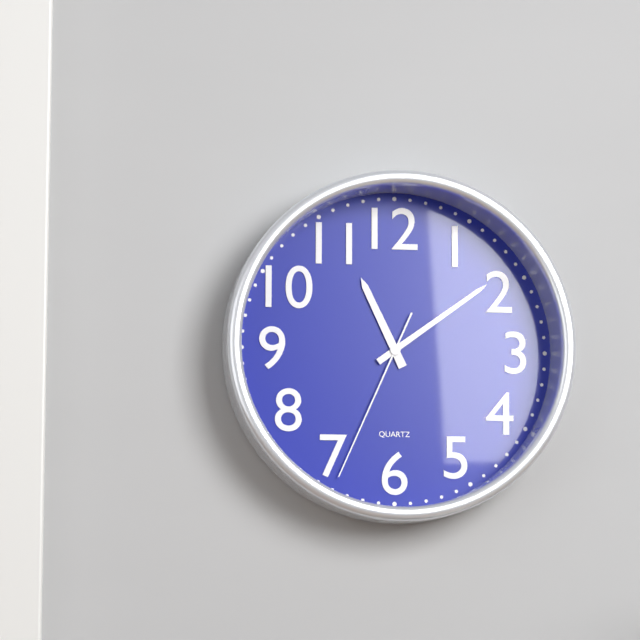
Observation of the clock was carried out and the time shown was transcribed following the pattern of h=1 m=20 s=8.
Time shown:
h=11 m=9 s=34
